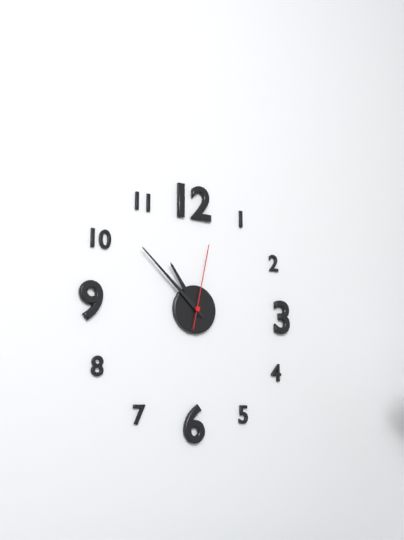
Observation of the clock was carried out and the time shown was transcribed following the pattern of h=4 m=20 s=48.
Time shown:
h=10 m=52 s=2
